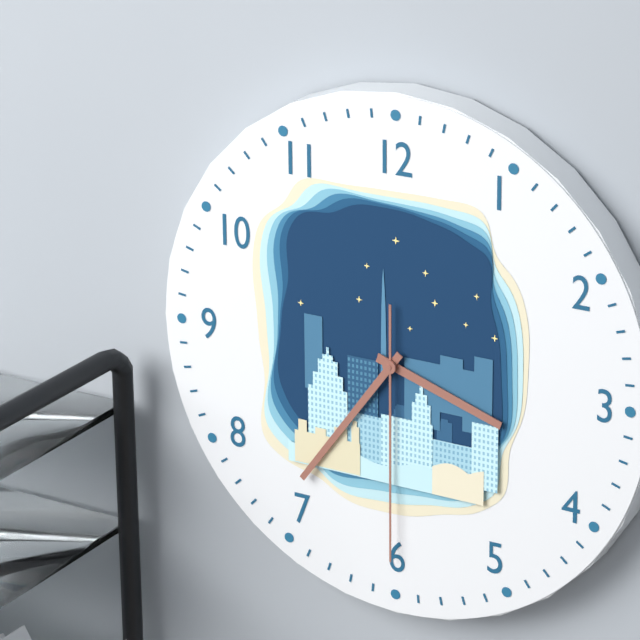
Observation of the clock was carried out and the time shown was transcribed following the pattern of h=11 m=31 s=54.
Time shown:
h=3 m=36 s=30
